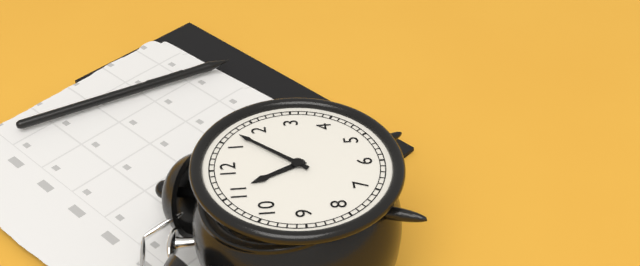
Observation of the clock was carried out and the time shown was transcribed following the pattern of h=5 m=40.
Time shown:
h=11 m=7
